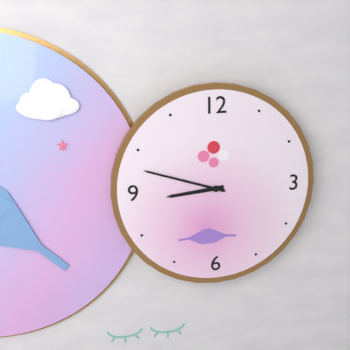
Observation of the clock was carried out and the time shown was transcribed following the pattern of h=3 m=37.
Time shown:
h=8 m=48
